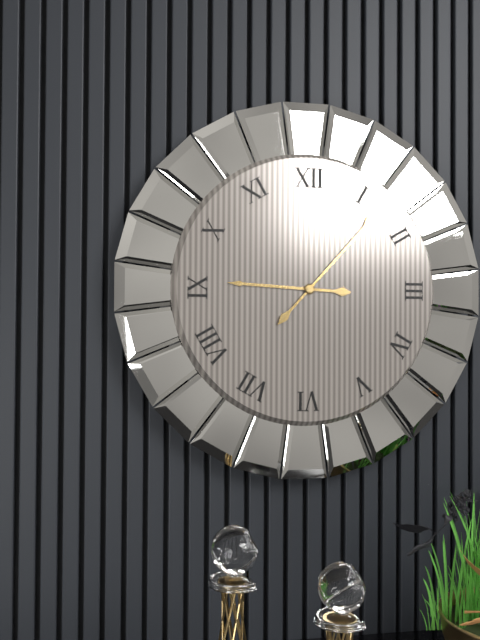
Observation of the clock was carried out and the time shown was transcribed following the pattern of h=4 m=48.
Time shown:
h=9 m=7
